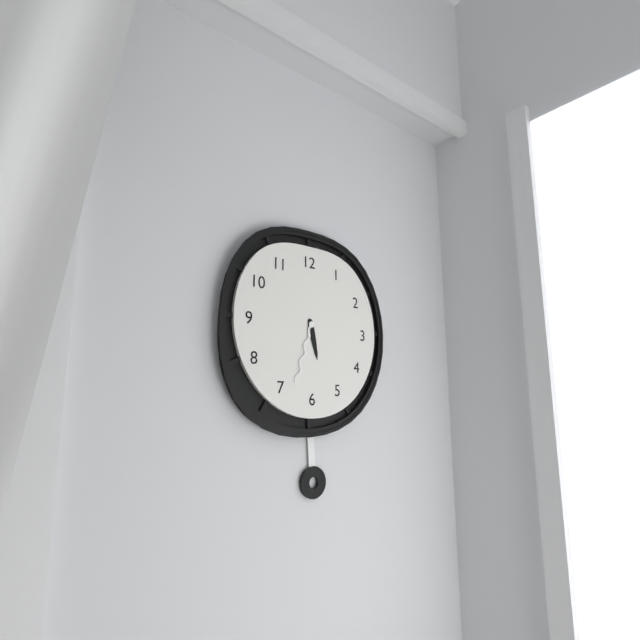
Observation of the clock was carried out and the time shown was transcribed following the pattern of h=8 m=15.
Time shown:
h=5 m=33
